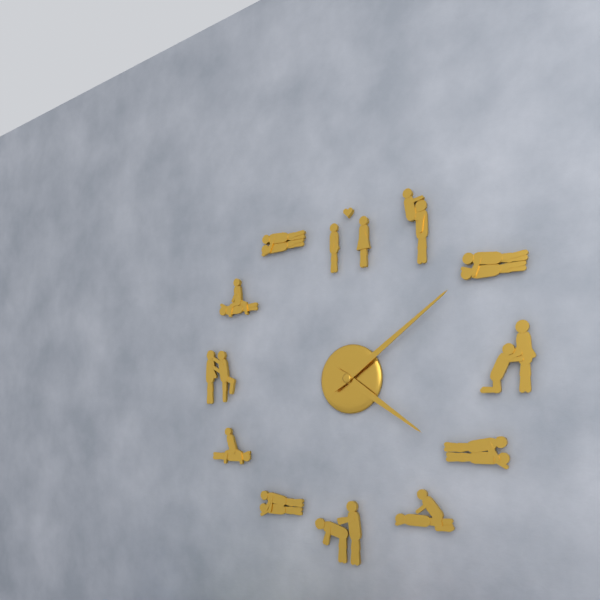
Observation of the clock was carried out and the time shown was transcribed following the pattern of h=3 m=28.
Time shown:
h=4 m=9
